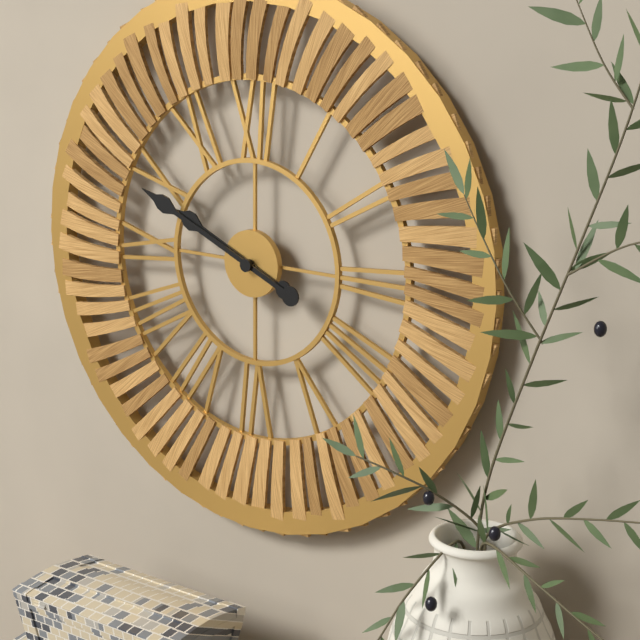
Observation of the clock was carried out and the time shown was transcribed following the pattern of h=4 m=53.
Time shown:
h=9 m=49
